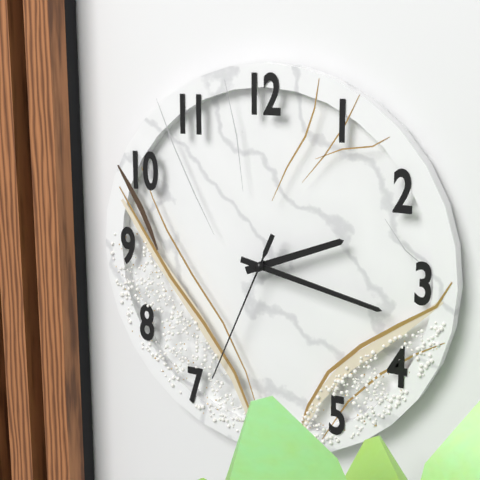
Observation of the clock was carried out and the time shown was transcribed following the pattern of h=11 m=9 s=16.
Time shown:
h=2 m=17 s=34
